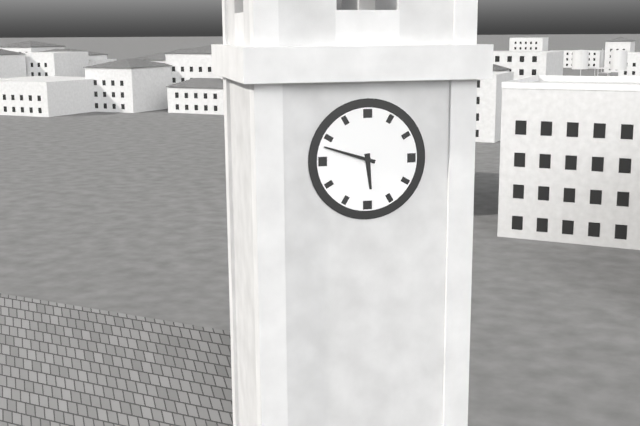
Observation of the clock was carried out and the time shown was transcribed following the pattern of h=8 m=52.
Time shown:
h=5 m=48
